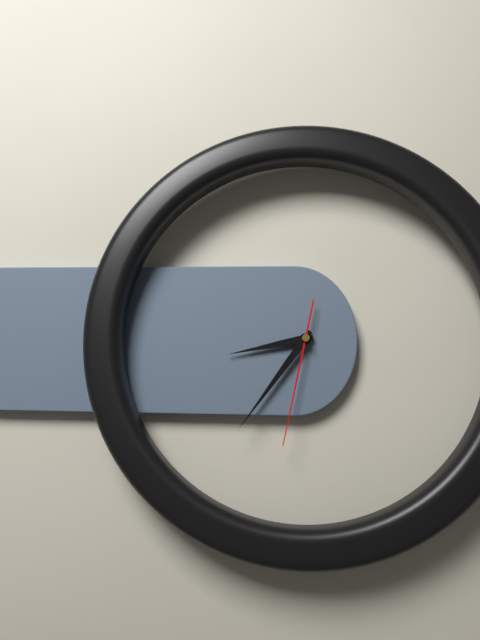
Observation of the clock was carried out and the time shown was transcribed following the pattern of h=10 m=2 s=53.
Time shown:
h=8 m=36 s=32
